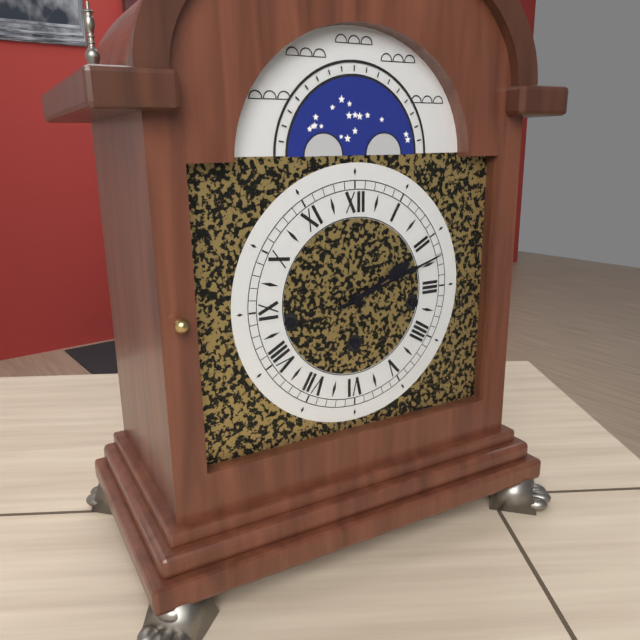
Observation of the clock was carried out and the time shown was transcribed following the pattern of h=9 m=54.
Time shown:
h=2 m=12
